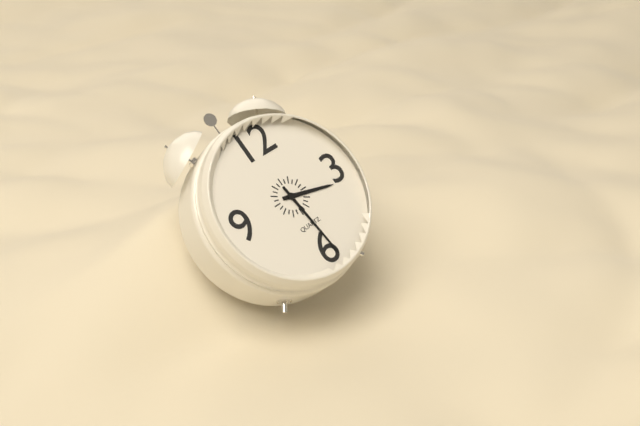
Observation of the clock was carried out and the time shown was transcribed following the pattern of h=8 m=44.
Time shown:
h=3 m=29
